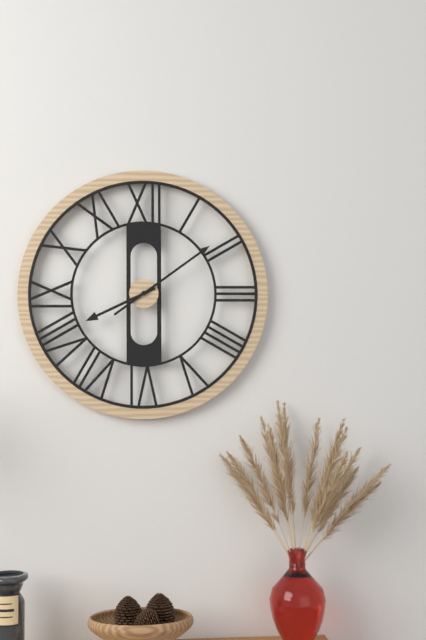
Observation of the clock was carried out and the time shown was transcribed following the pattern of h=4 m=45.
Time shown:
h=8 m=9
